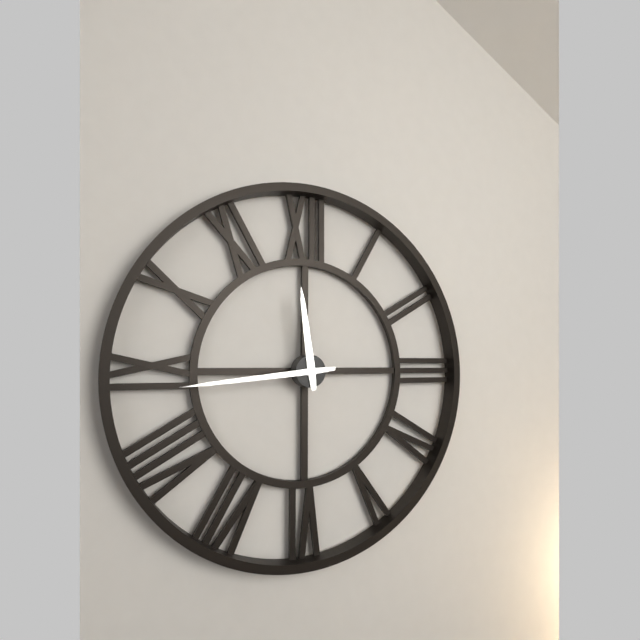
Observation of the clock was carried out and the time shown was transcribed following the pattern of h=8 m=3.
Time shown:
h=11 m=44
